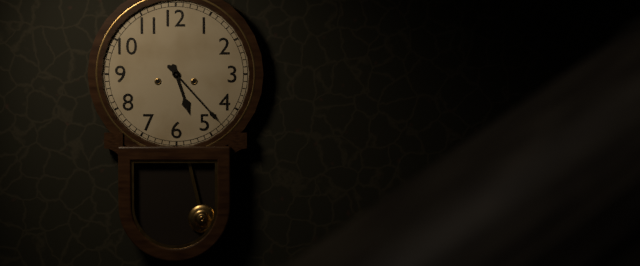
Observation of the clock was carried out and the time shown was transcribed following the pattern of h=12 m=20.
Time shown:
h=5 m=23
